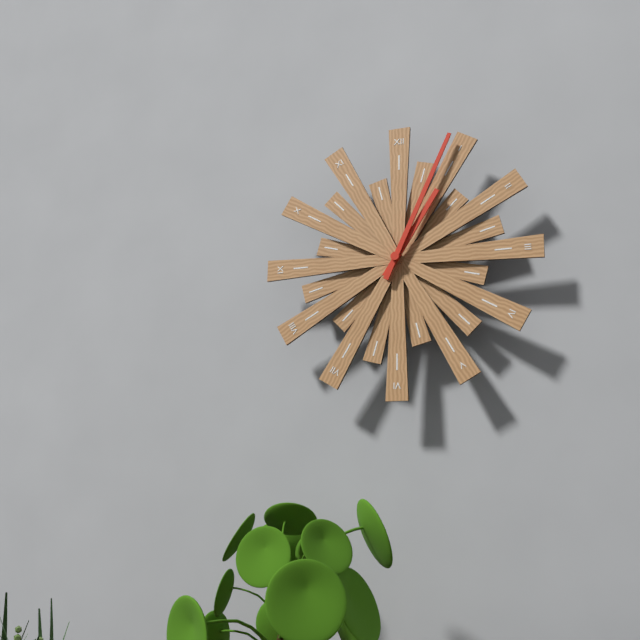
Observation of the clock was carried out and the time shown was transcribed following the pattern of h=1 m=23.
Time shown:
h=1 m=4
